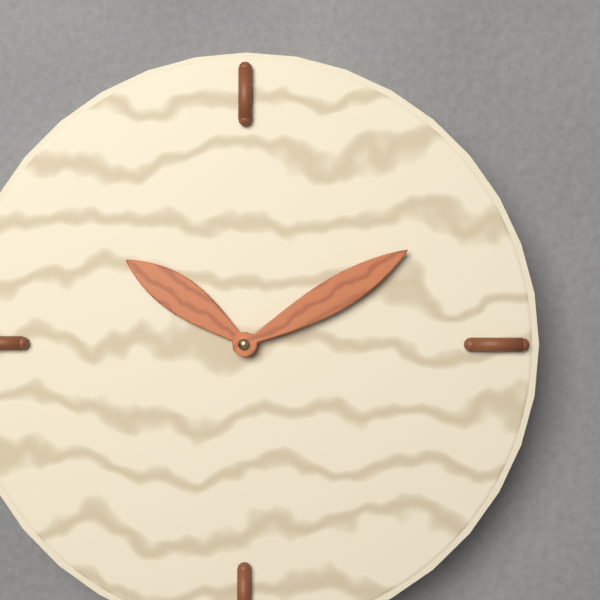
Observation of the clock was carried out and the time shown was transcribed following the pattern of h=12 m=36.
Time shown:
h=10 m=10
